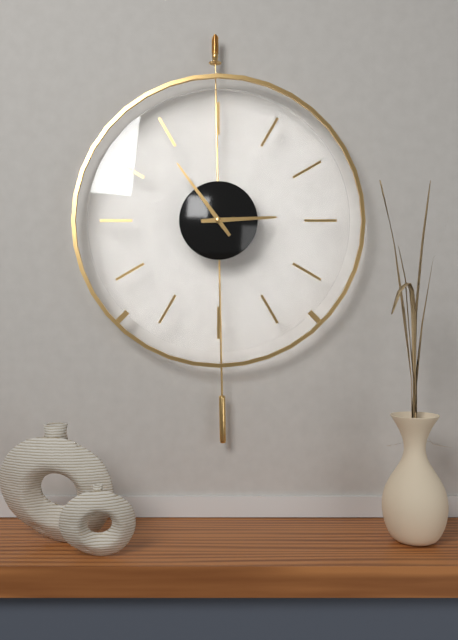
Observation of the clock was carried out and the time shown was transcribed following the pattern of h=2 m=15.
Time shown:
h=2 m=54
